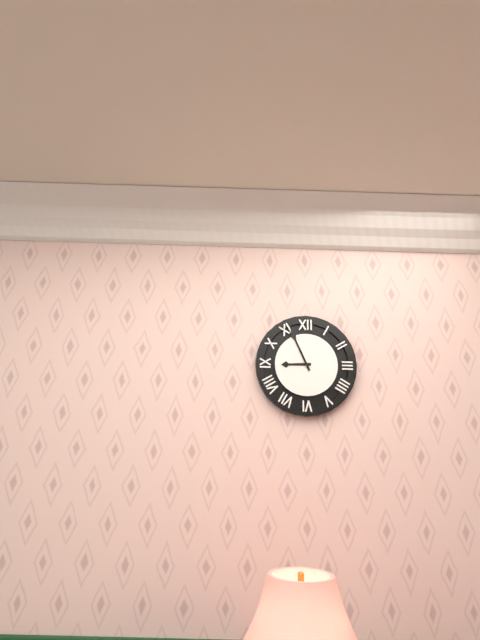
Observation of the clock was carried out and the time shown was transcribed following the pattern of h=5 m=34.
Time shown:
h=8 m=56
